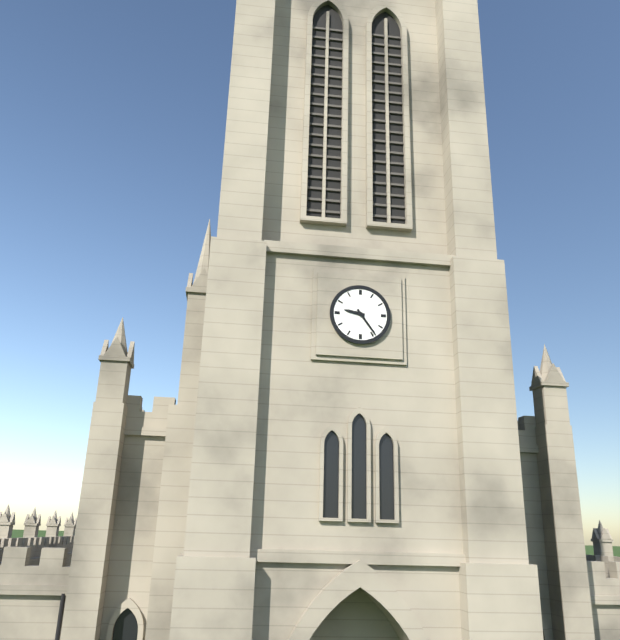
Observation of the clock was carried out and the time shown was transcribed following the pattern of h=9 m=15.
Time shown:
h=9 m=24
